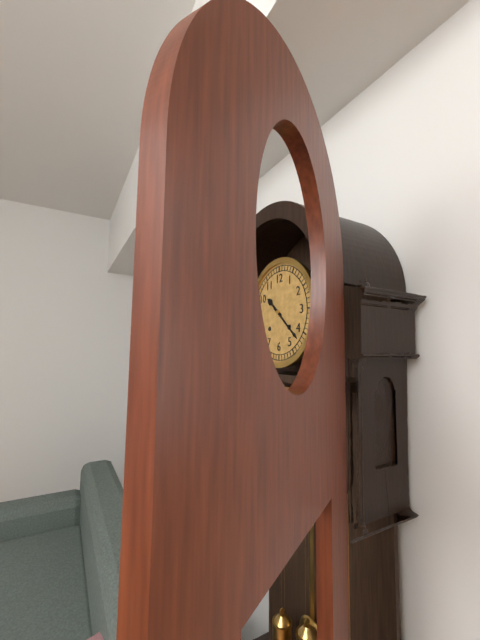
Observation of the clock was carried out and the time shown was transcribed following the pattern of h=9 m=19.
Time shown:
h=10 m=22
